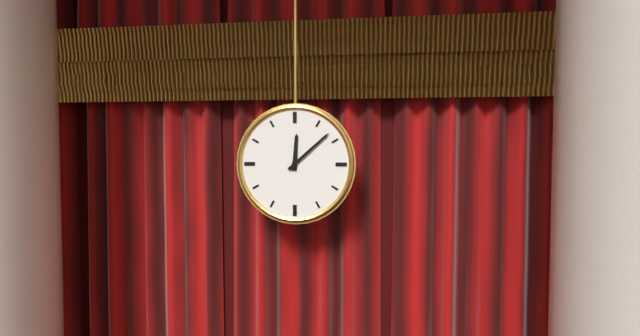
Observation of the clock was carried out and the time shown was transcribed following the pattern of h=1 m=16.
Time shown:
h=12 m=8
